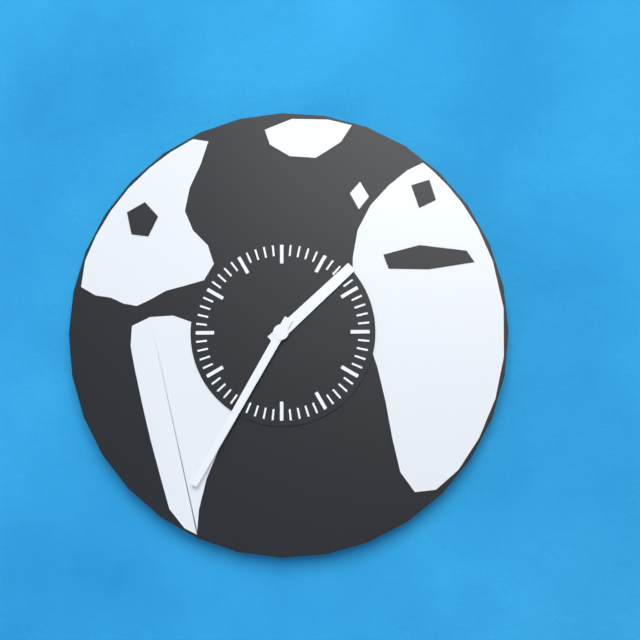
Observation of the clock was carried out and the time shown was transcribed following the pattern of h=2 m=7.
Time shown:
h=1 m=35
